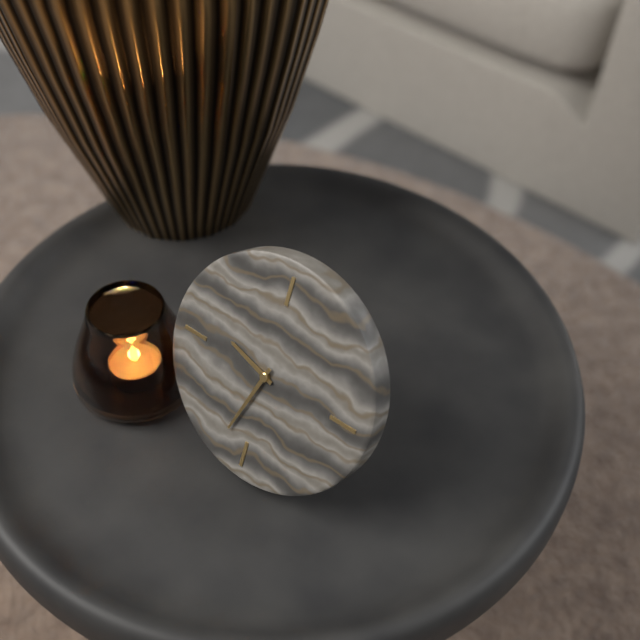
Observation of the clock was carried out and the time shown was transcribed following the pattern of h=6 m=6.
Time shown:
h=9 m=33
